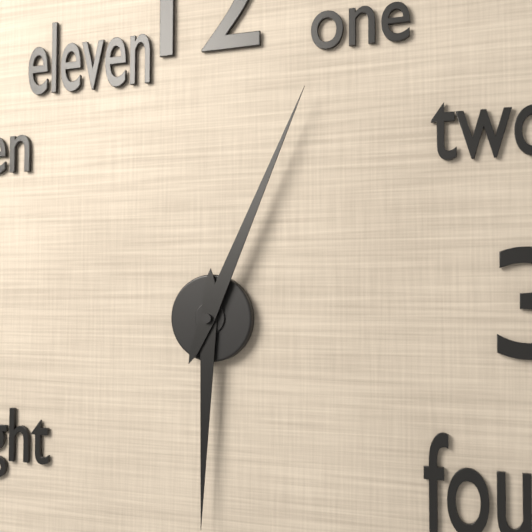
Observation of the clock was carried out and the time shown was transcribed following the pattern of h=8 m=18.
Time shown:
h=6 m=4
